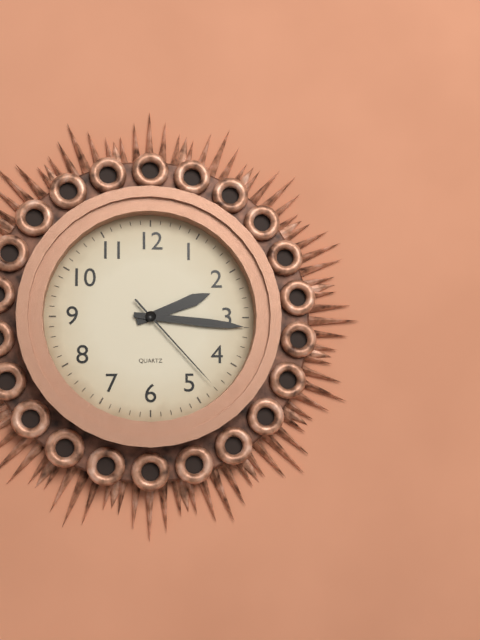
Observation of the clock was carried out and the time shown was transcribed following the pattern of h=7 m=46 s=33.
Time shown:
h=2 m=16 s=23
